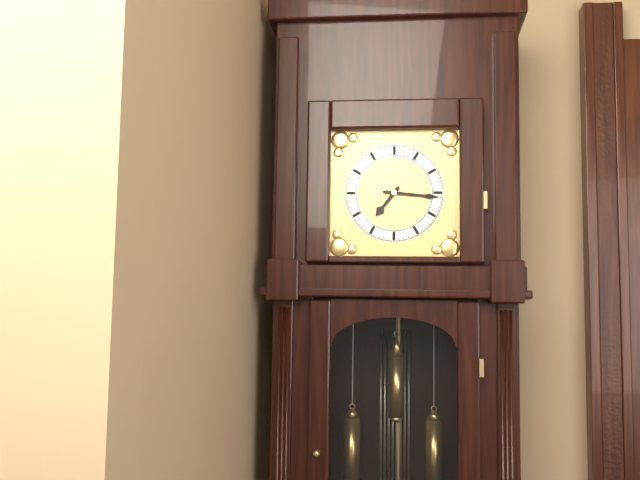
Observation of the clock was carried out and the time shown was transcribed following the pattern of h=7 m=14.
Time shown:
h=7 m=16
